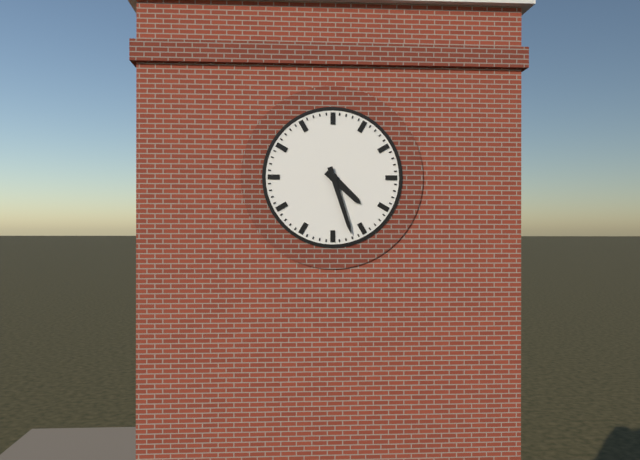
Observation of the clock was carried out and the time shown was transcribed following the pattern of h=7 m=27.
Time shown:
h=4 m=27
